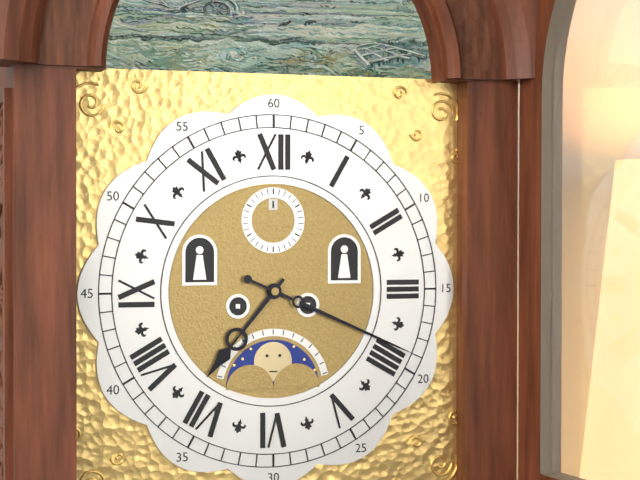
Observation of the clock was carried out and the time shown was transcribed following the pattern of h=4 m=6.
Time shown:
h=7 m=19
